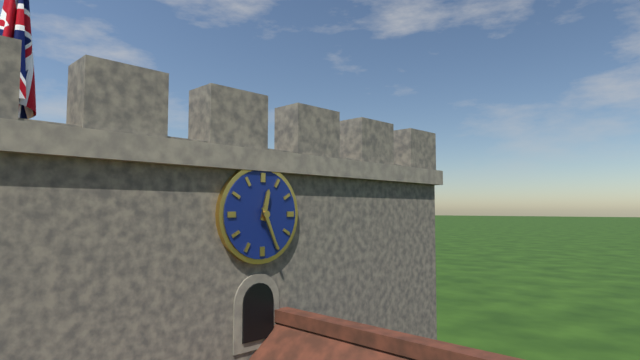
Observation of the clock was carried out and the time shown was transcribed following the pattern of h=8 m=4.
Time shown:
h=12 m=26
